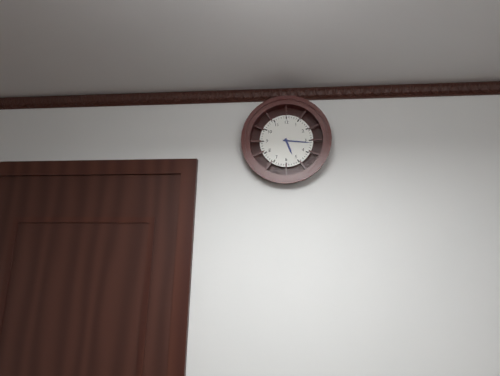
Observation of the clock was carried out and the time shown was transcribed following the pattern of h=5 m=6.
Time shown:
h=5 m=16
